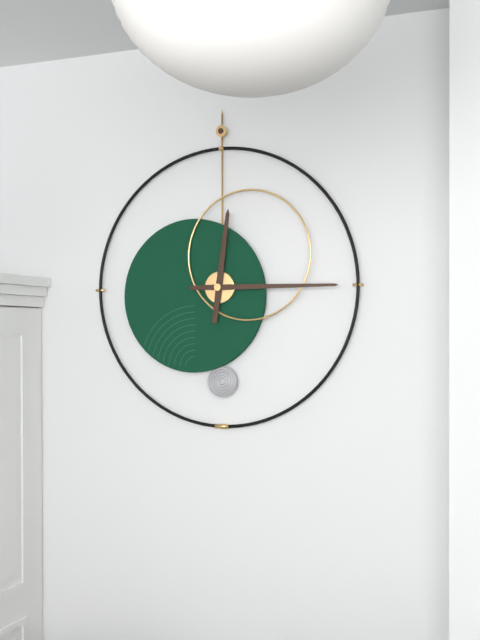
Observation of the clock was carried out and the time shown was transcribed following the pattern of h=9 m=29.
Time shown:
h=12 m=15
